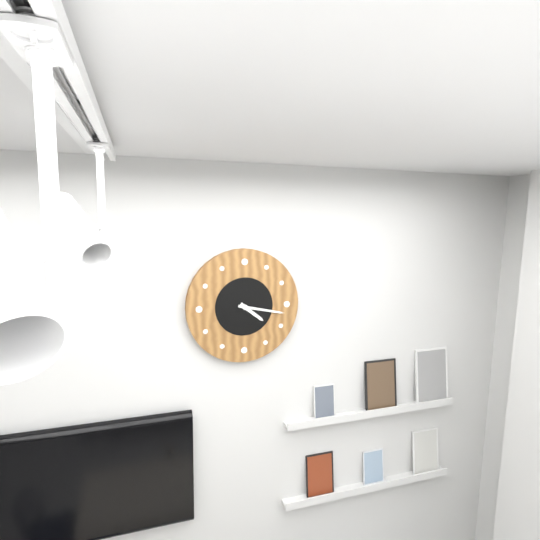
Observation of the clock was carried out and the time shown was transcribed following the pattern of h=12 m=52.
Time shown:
h=4 m=17
